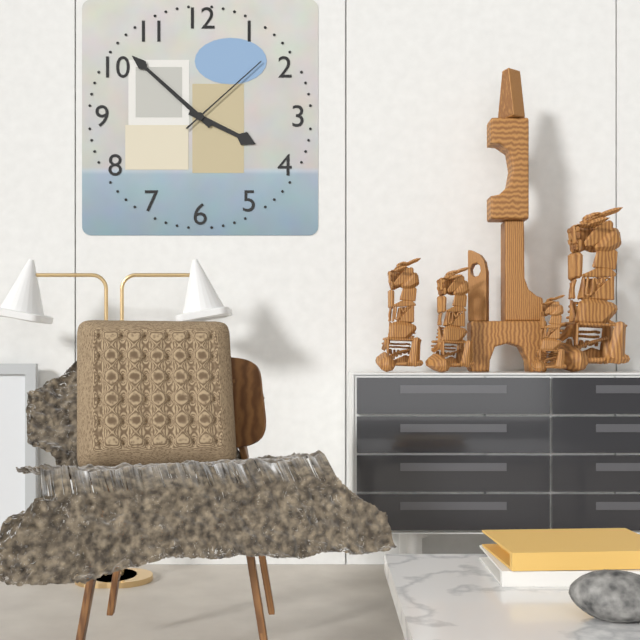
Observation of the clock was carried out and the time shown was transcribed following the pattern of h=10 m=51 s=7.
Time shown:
h=3 m=52 s=8
